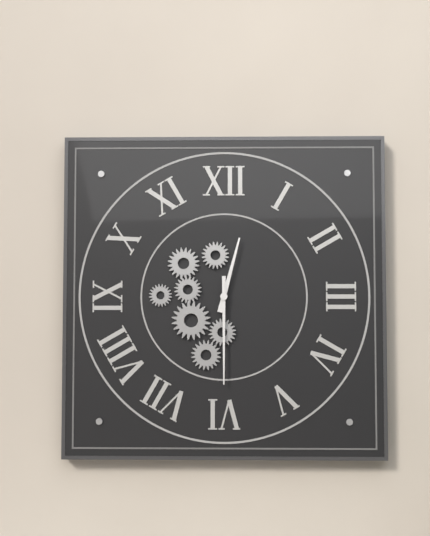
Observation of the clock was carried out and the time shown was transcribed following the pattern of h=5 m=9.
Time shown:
h=12 m=30
